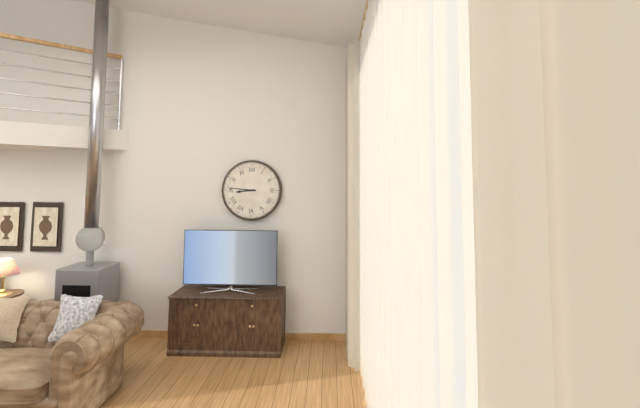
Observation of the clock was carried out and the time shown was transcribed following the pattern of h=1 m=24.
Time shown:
h=8 m=46
